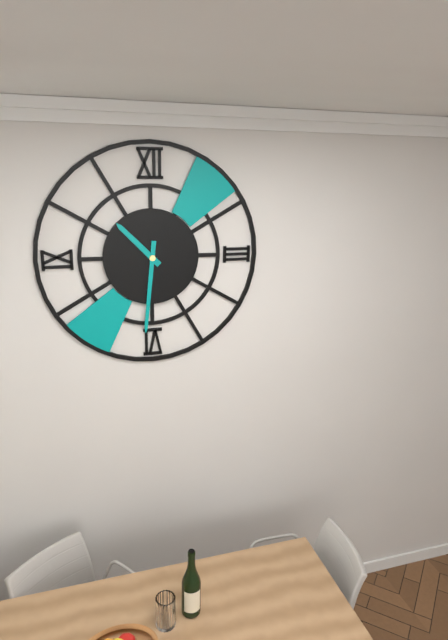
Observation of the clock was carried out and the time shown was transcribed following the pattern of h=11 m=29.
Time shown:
h=10 m=31
